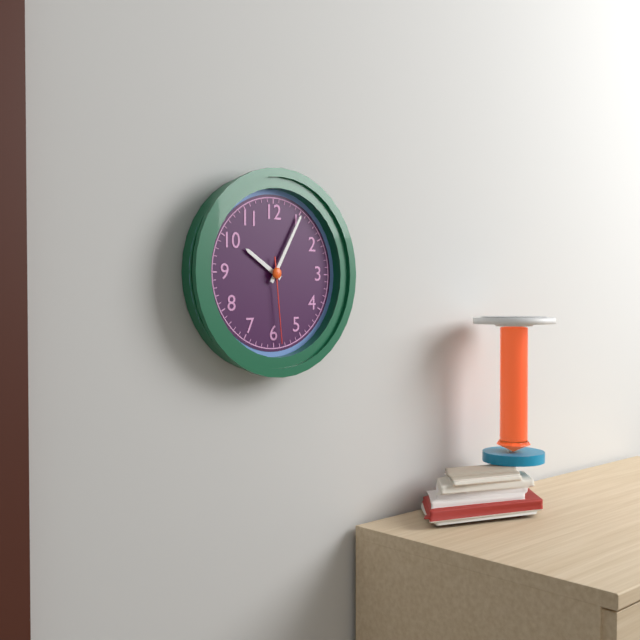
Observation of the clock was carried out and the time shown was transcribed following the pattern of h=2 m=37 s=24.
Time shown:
h=10 m=5 s=29
